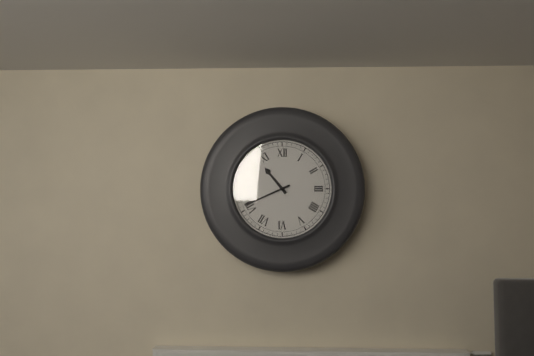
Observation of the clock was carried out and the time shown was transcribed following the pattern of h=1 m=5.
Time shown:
h=10 m=41
